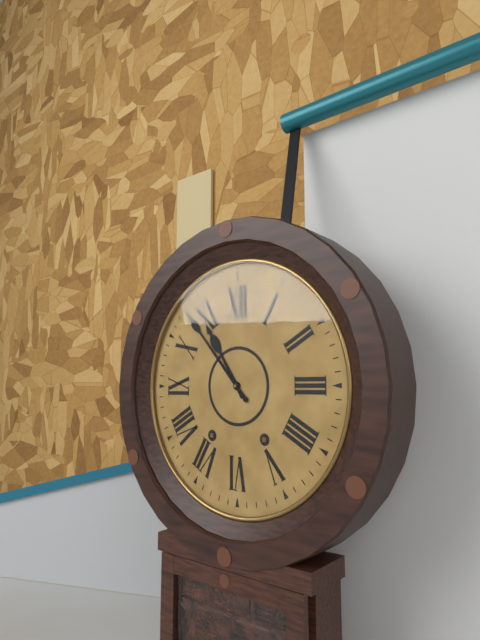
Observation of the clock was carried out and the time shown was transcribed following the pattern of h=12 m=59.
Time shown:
h=10 m=53
